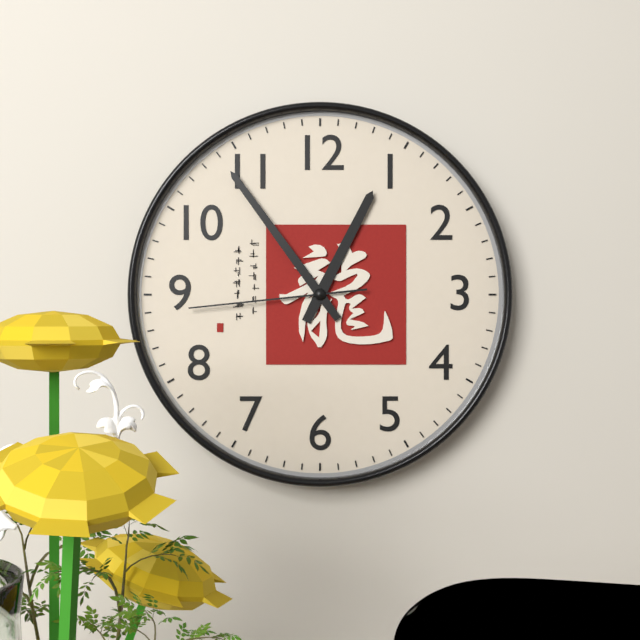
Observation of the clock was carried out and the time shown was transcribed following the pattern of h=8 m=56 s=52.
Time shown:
h=12 m=54 s=44
